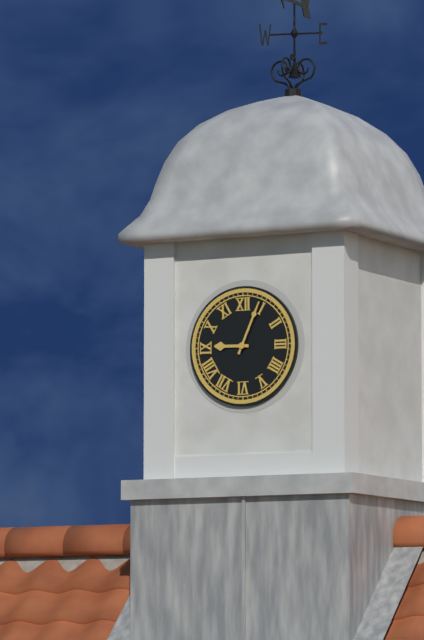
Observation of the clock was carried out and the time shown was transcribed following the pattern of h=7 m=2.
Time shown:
h=9 m=4
